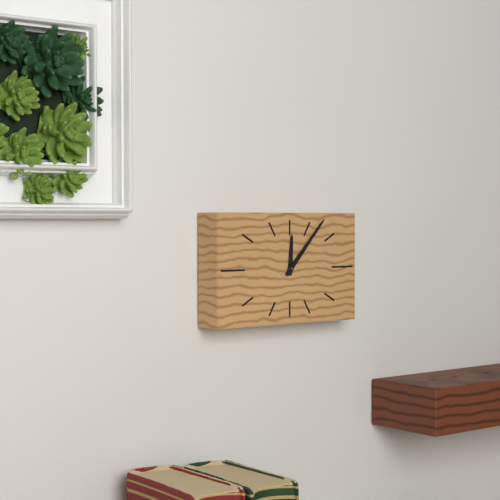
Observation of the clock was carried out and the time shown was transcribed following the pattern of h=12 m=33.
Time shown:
h=12 m=7
